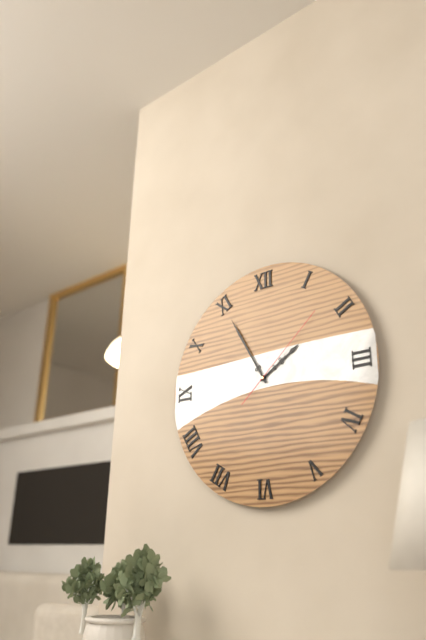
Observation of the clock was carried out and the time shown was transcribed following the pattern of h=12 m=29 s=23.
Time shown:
h=1 m=55 s=8
